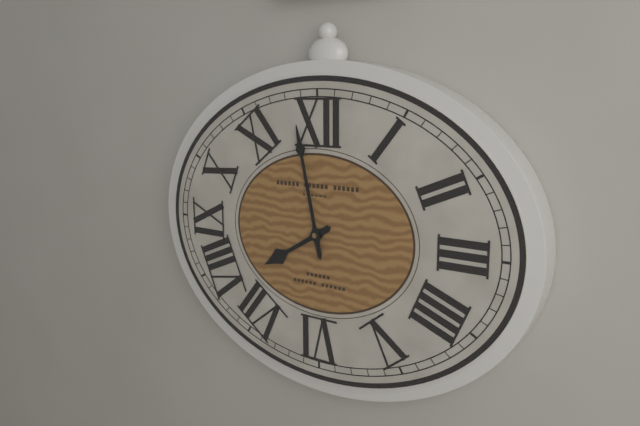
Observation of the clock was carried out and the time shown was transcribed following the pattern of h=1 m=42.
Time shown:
h=7 m=58
